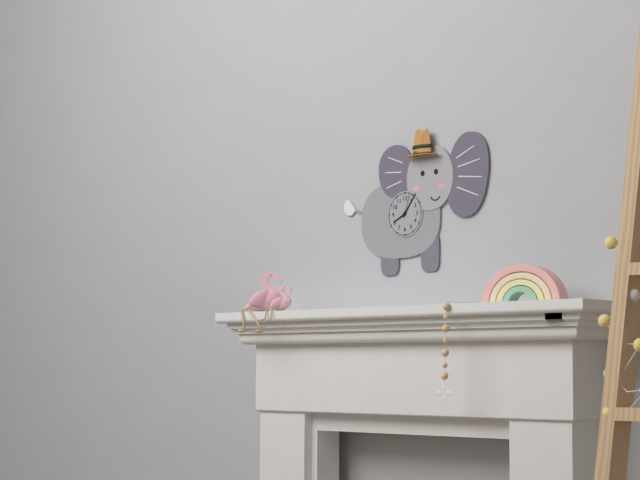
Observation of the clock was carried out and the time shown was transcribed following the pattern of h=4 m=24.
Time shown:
h=8 m=6
